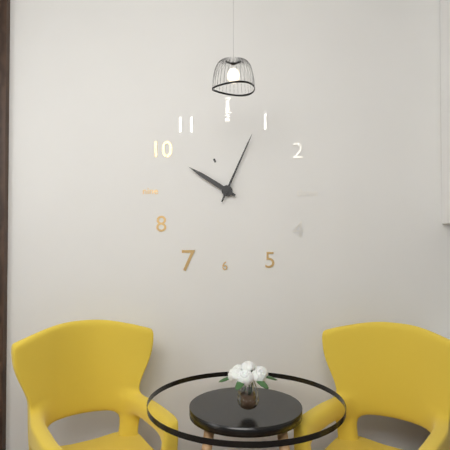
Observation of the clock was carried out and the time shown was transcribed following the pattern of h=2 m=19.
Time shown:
h=10 m=4
